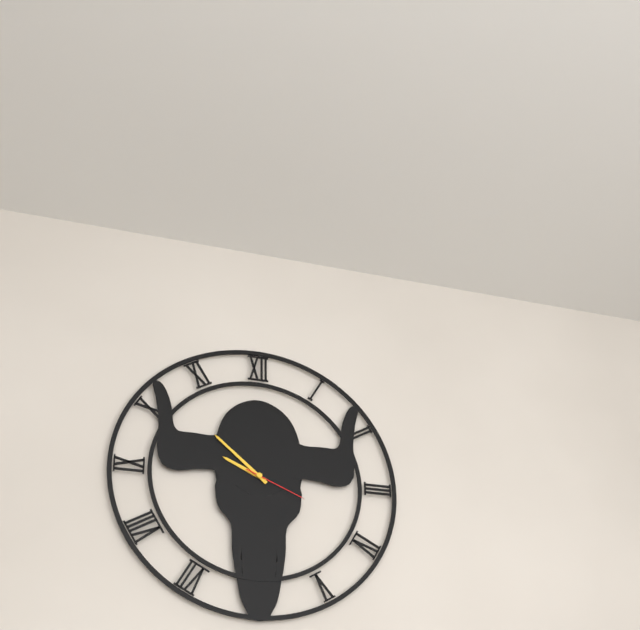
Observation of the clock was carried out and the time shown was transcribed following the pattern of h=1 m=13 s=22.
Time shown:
h=9 m=52 s=19
